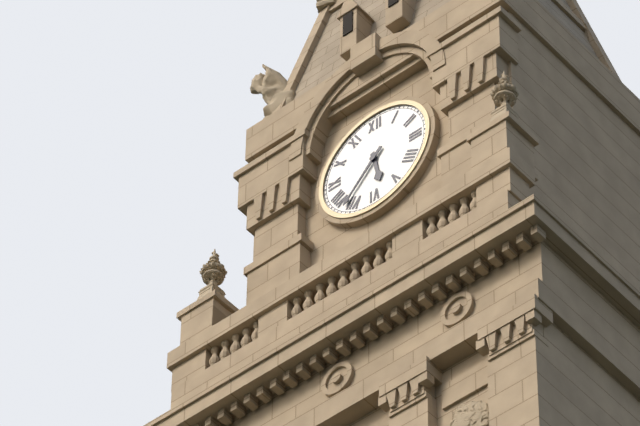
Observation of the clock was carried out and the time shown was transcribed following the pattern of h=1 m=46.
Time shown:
h=5 m=37
